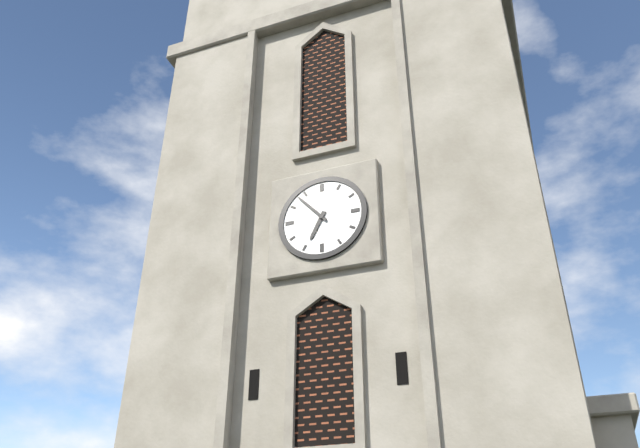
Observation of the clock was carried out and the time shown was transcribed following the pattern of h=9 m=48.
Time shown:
h=6 m=53
